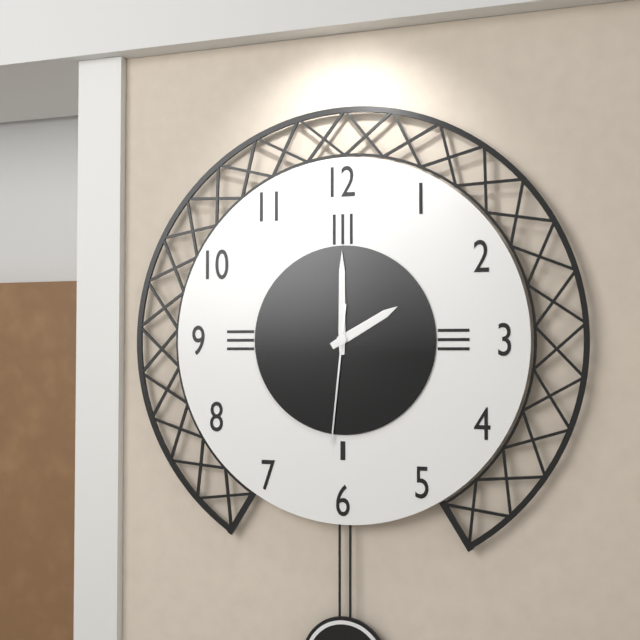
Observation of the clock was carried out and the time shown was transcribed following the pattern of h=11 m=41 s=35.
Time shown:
h=2 m=0 s=31
